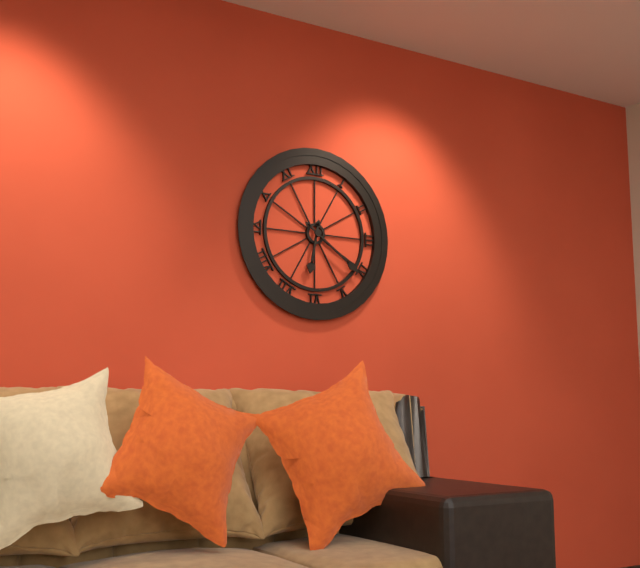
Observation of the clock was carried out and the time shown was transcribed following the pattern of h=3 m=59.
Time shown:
h=6 m=21
